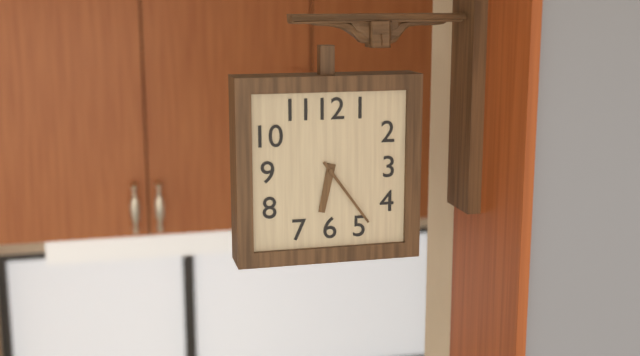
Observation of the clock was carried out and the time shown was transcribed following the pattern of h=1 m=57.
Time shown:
h=6 m=24
